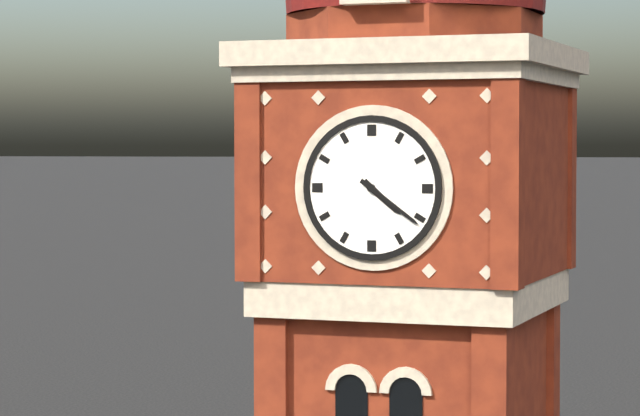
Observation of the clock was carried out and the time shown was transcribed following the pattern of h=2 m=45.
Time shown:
h=4 m=21
